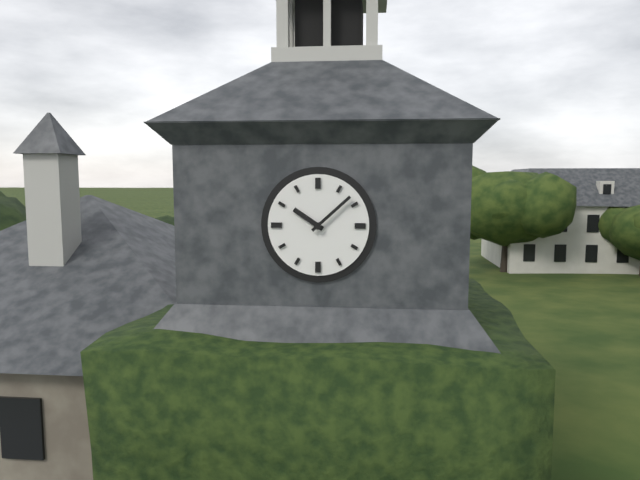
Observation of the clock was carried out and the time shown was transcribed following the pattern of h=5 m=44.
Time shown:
h=10 m=8
